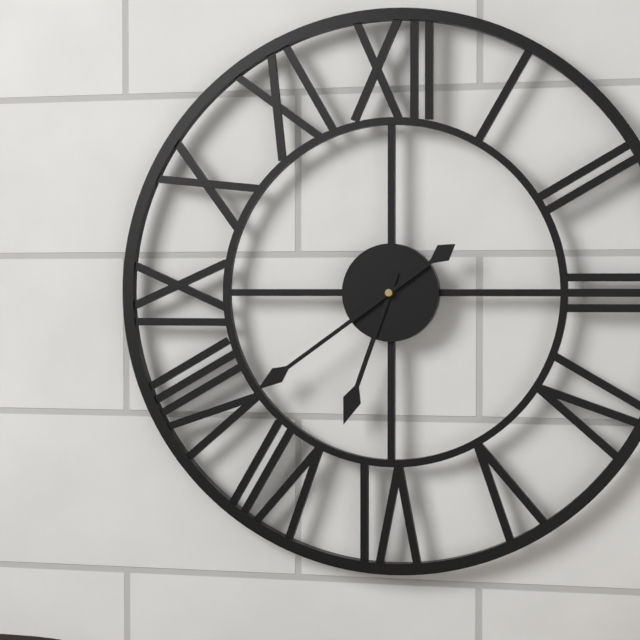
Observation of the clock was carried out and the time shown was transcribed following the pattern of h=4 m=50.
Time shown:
h=6 m=39
